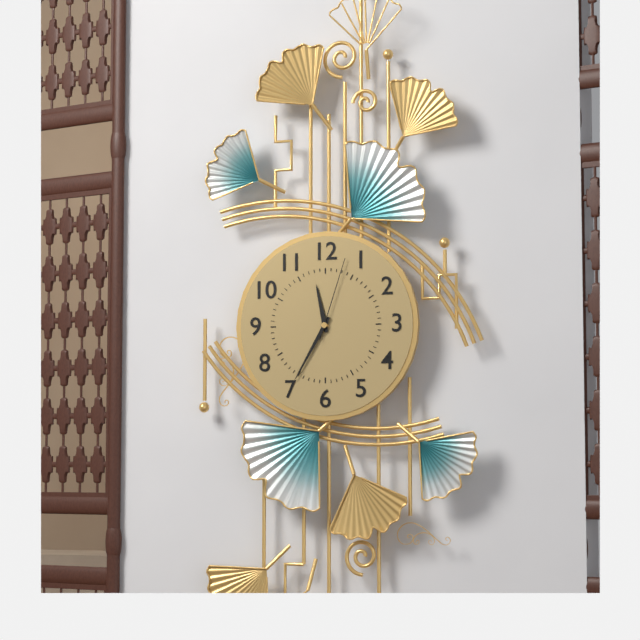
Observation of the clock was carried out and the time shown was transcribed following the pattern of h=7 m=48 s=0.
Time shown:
h=11 m=35 s=3
